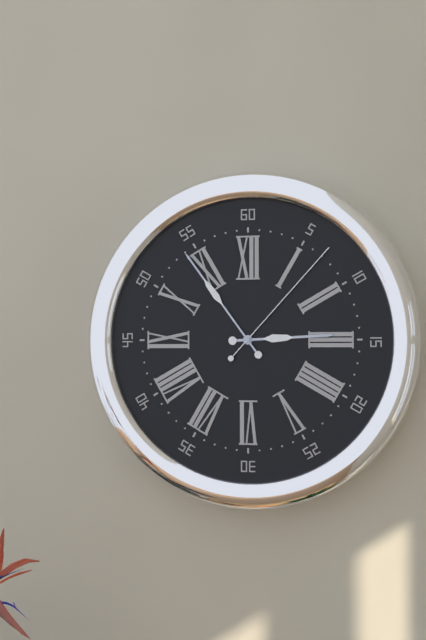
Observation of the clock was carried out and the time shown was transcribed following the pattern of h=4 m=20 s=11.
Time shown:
h=2 m=54 s=7
